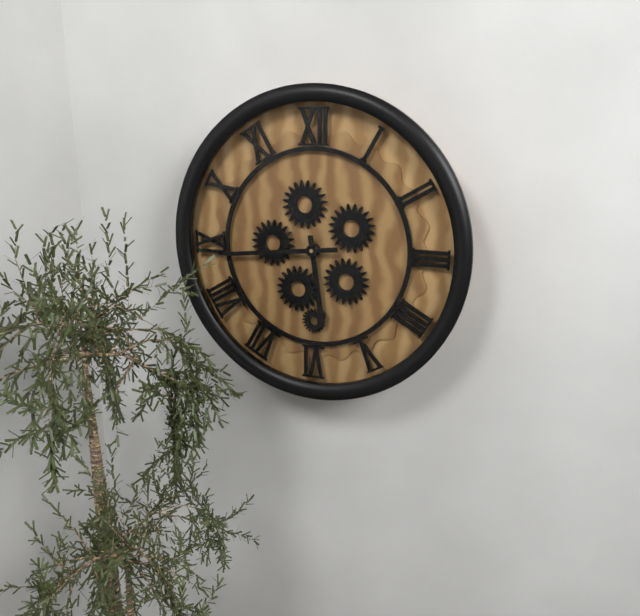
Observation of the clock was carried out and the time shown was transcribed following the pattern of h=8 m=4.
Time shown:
h=5 m=44
